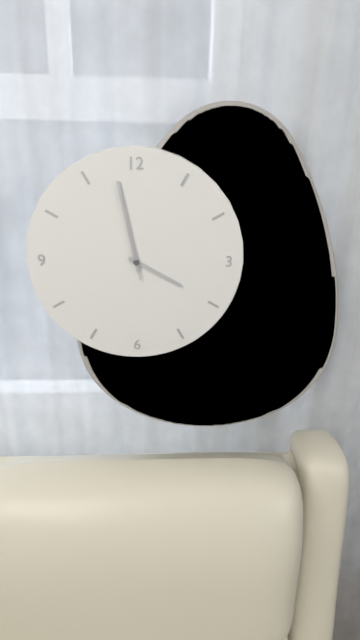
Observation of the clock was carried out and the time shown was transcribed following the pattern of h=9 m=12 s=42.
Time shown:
h=3 m=58 s=58
